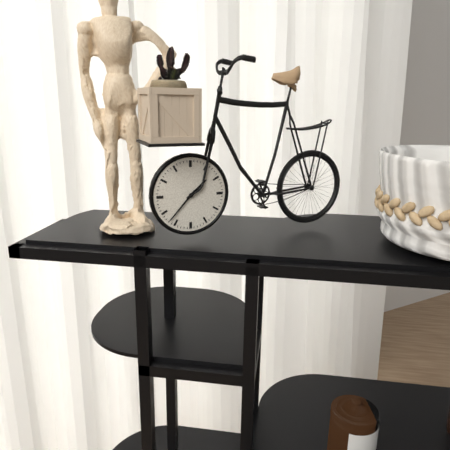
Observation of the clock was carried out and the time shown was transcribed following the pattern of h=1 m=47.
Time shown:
h=1 m=37
